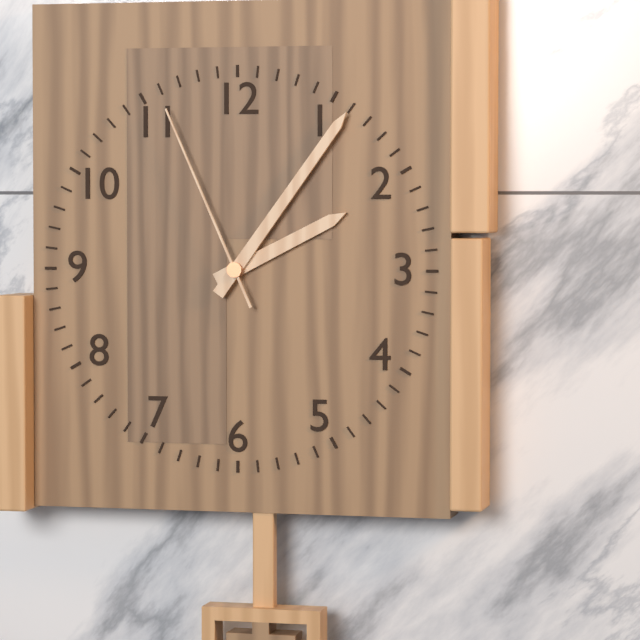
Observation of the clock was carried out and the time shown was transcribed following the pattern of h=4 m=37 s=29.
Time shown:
h=2 m=6 s=56
